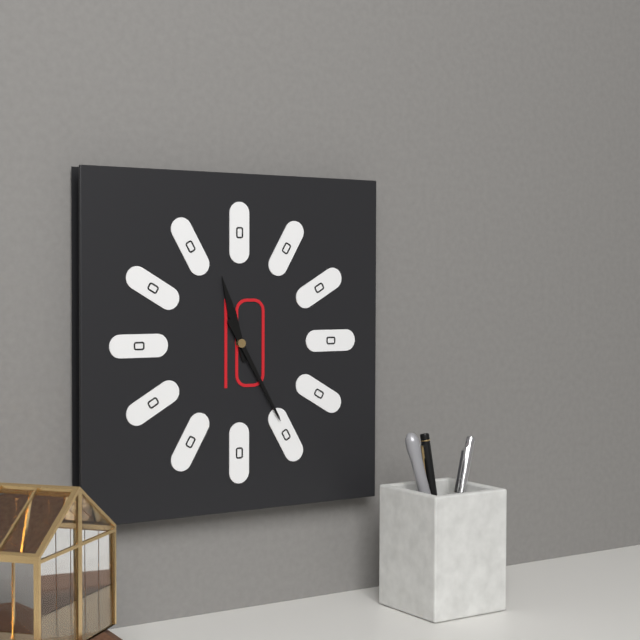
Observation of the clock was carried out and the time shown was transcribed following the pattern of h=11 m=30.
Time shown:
h=11 m=25
